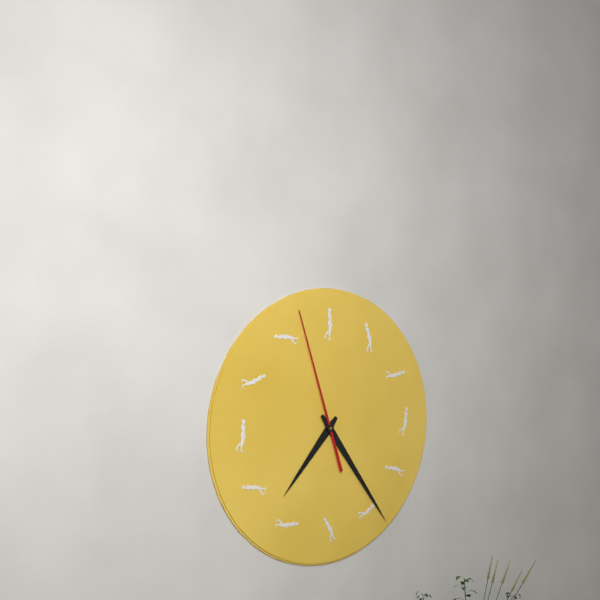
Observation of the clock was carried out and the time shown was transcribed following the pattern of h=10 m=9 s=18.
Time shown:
h=7 m=24 s=57
